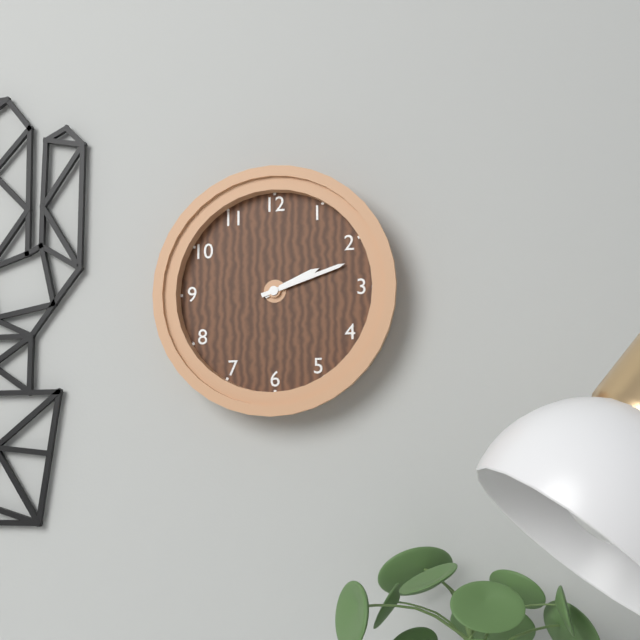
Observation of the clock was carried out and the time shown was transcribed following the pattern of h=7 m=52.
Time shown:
h=2 m=12
